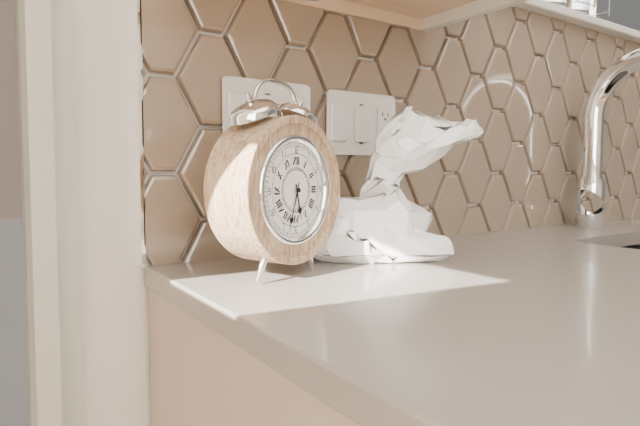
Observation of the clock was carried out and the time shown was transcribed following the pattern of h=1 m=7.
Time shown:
h=5 m=33
